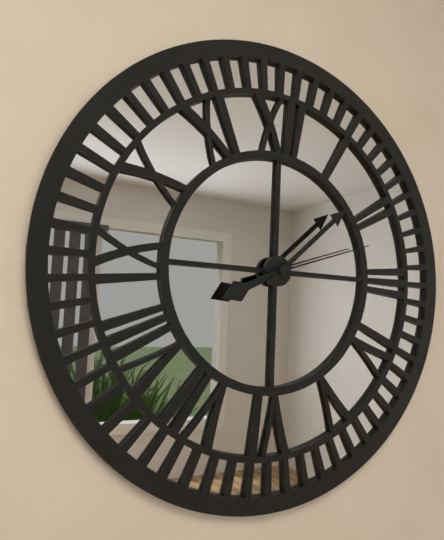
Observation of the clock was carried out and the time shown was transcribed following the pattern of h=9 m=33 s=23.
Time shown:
h=8 m=8 s=12
